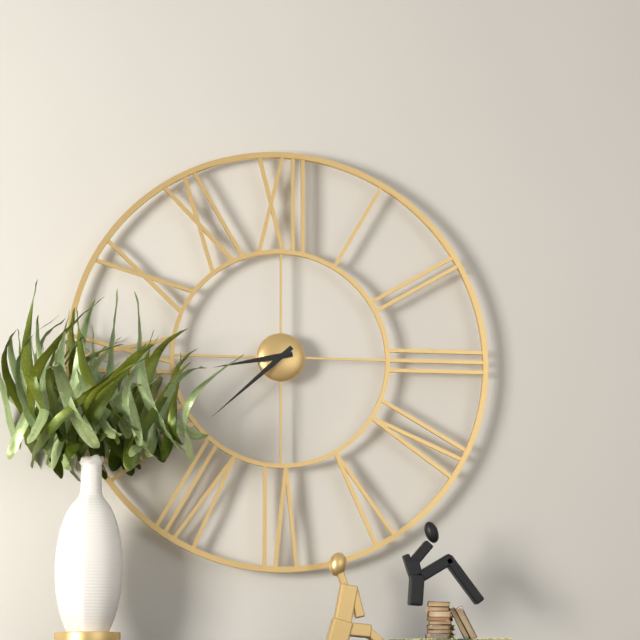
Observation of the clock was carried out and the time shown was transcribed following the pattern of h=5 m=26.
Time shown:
h=8 m=38
